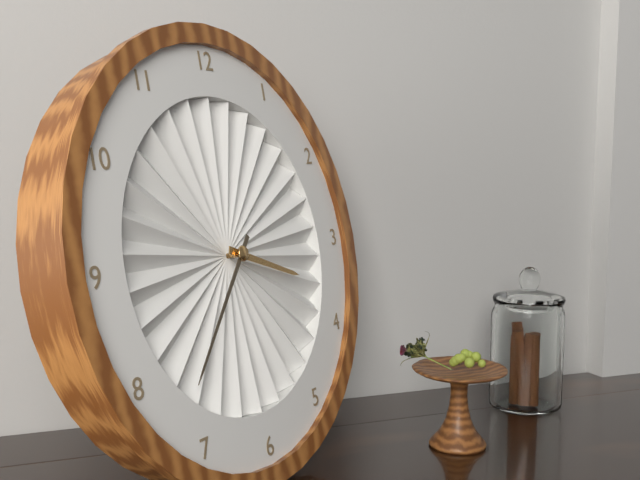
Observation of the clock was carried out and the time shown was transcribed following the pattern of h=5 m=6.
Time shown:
h=3 m=37
